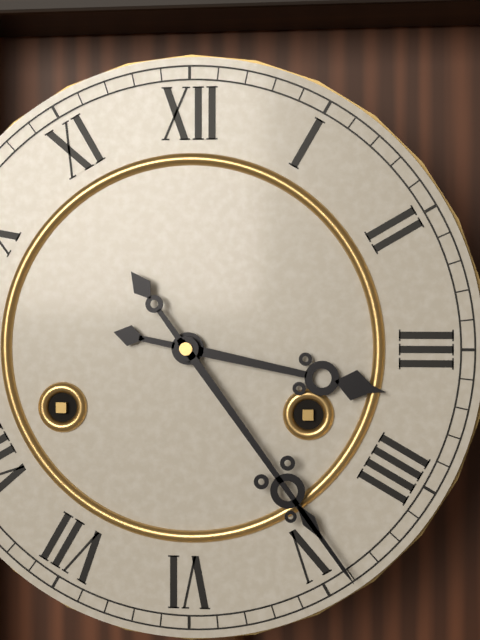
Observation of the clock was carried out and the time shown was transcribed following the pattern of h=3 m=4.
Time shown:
h=3 m=24
